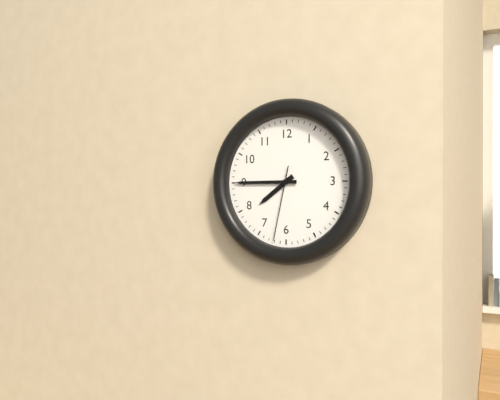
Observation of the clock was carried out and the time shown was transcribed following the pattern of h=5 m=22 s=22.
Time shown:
h=7 m=45 s=32
